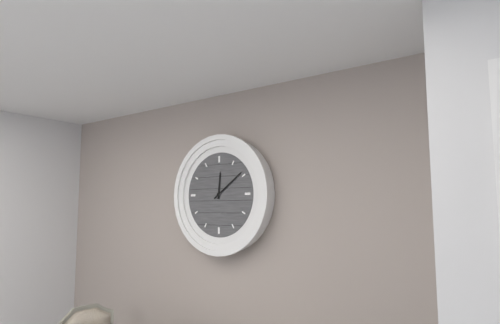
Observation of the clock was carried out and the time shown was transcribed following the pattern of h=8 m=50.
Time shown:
h=12 m=9
